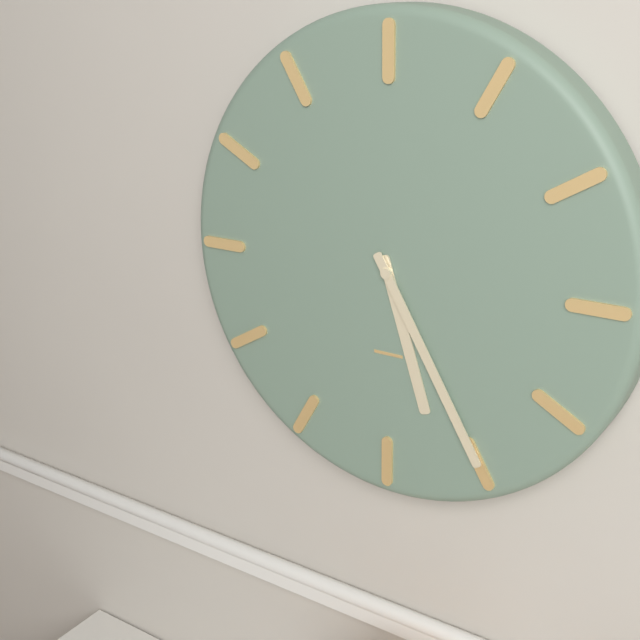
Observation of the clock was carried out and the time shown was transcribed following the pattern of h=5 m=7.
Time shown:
h=5 m=25
